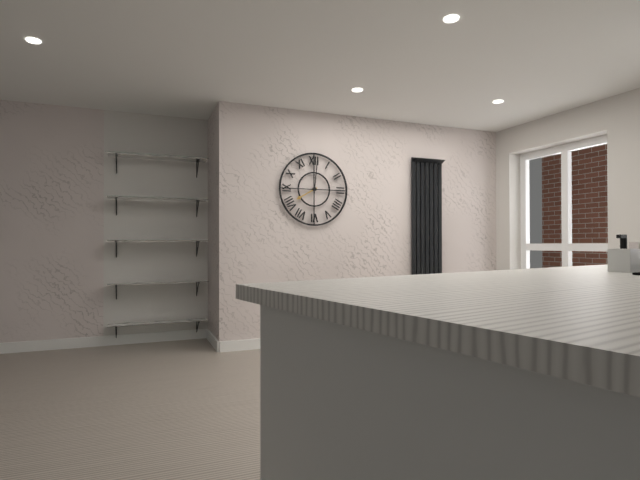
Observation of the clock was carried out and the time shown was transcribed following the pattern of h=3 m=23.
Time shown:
h=8 m=1
